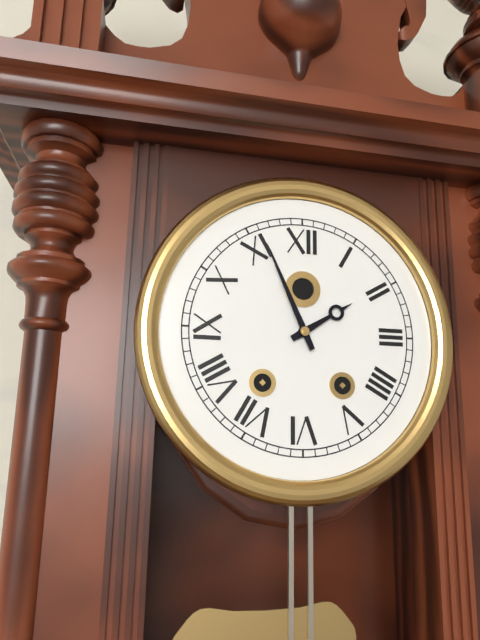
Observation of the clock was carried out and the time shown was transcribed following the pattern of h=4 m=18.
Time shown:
h=1 m=56
